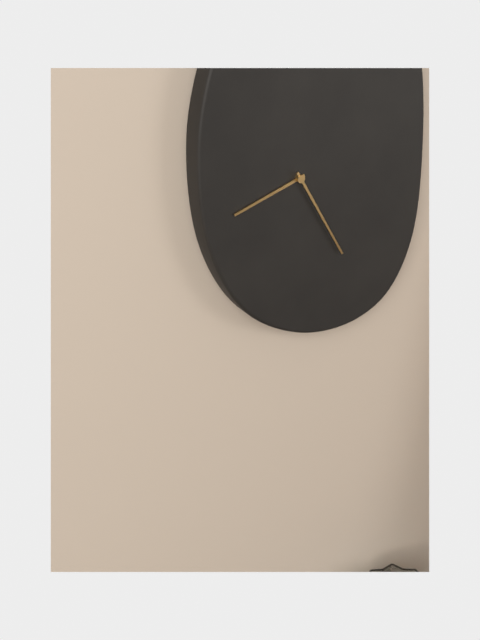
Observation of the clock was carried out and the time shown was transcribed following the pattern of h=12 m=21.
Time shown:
h=8 m=25
